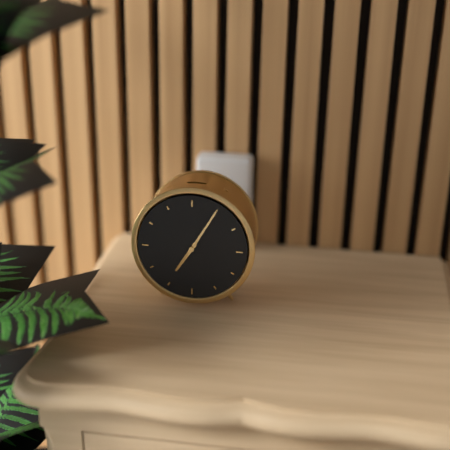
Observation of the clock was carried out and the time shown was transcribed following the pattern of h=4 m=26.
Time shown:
h=7 m=5
